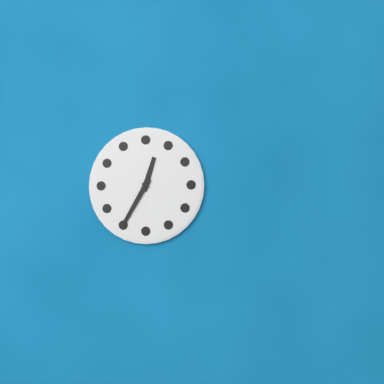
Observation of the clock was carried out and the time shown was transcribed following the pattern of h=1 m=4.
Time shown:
h=12 m=35
